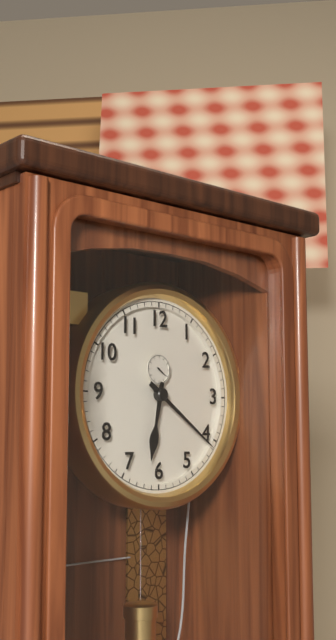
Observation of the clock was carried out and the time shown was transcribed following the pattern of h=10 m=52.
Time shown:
h=6 m=21
